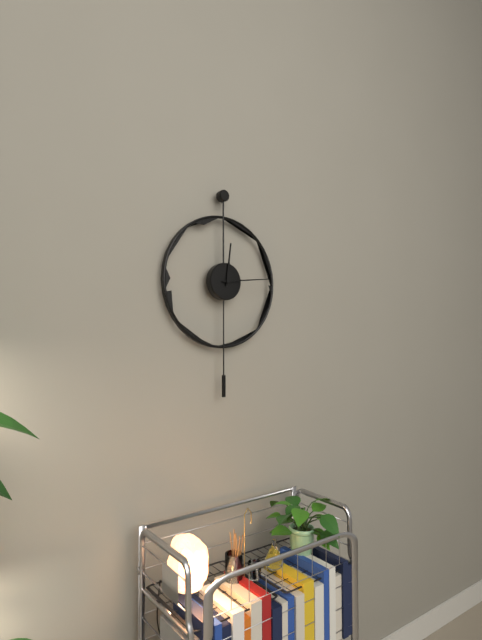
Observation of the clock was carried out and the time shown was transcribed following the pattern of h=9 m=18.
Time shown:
h=12 m=14
